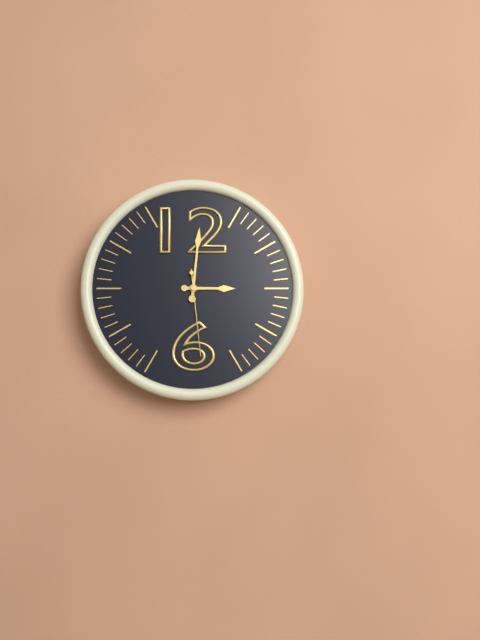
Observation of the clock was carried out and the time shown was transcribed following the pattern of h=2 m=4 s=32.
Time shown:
h=3 m=1 s=29
